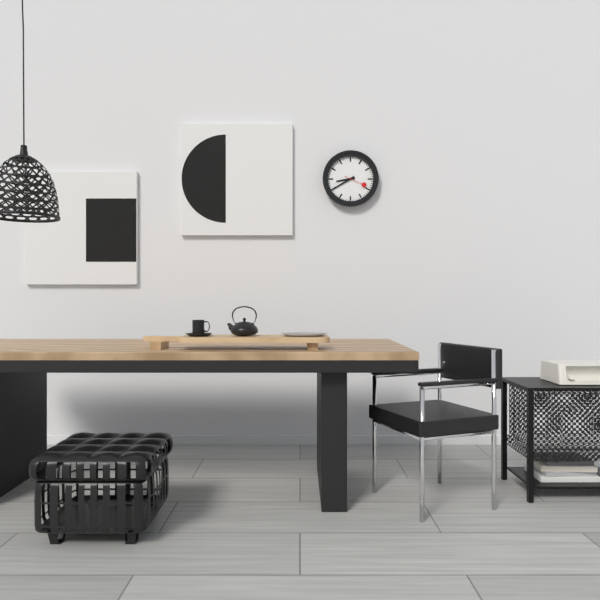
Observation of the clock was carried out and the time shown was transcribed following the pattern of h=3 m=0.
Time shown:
h=8 m=40
